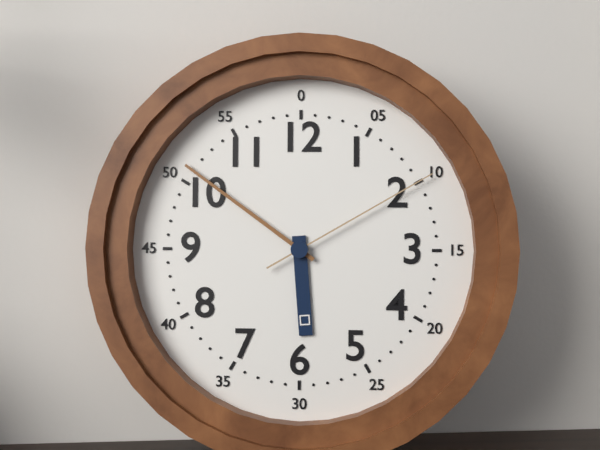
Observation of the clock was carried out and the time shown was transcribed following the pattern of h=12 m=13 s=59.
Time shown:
h=5 m=51 s=10
